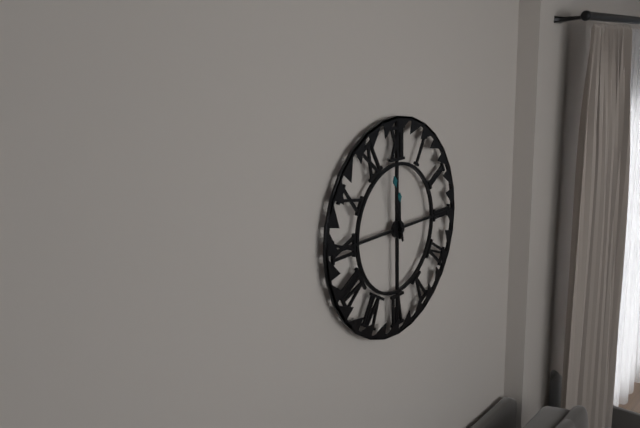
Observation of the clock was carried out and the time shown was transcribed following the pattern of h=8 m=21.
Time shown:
h=11 m=58
